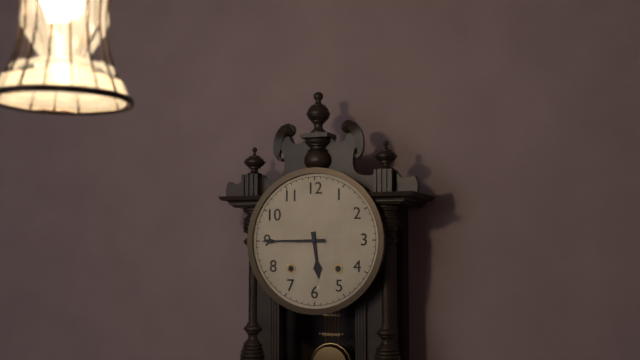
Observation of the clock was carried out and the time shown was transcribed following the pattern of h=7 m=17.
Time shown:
h=5 m=45
